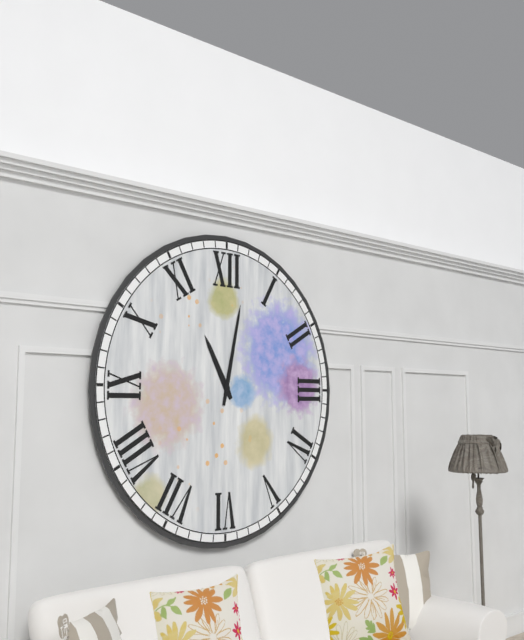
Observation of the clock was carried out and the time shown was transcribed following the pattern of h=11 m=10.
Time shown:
h=11 m=2
